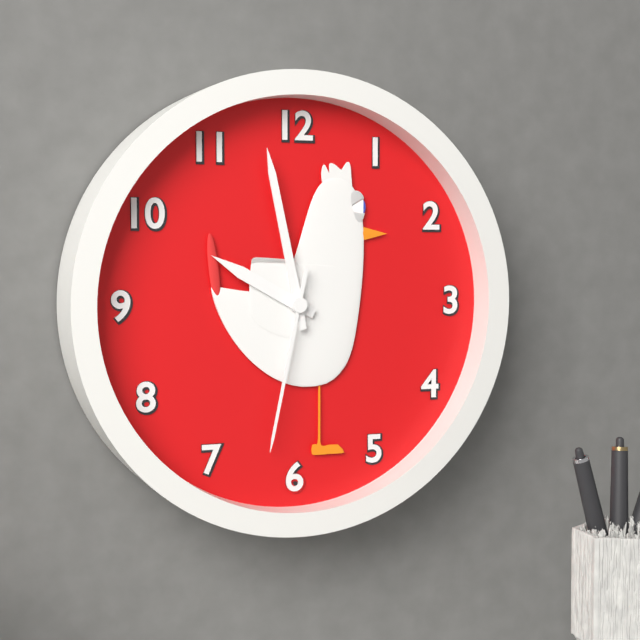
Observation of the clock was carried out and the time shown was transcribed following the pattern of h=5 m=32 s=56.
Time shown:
h=9 m=58 s=32
